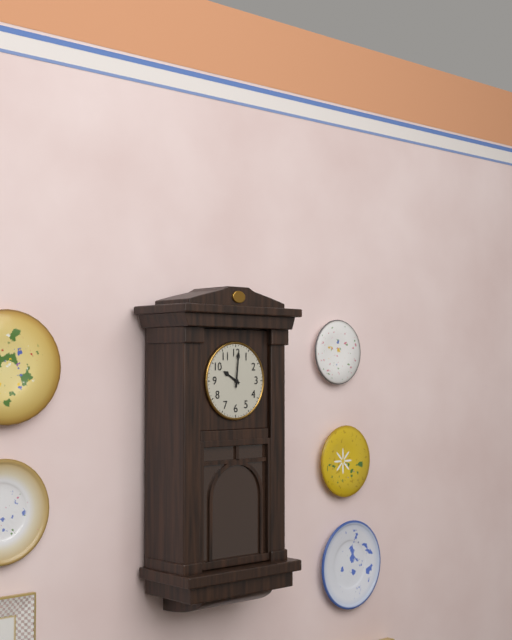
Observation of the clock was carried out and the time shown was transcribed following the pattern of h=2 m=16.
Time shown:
h=10 m=1
